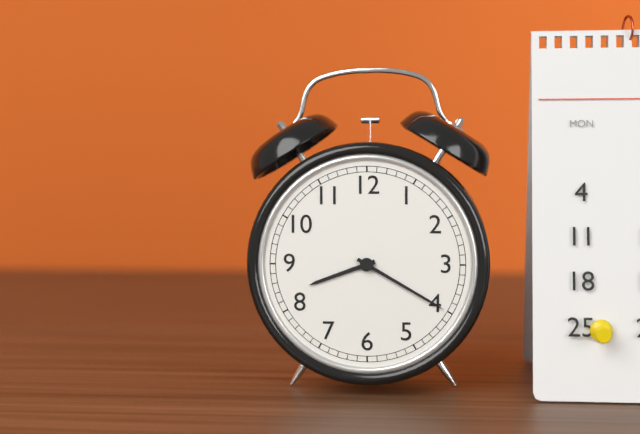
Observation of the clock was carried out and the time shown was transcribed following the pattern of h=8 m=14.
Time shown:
h=8 m=20
